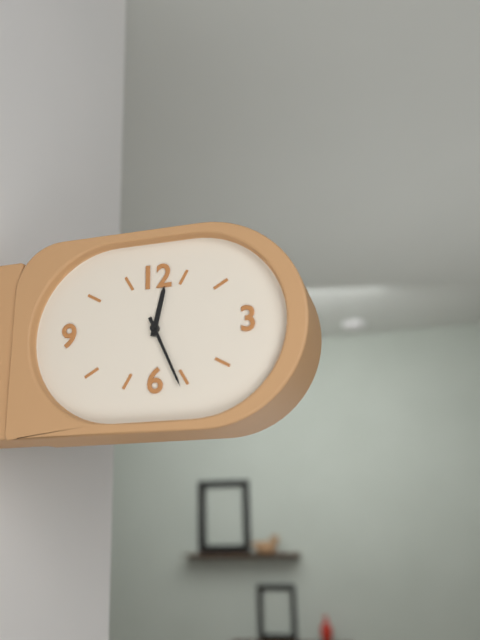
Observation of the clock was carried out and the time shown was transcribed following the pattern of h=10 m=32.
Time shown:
h=12 m=26
